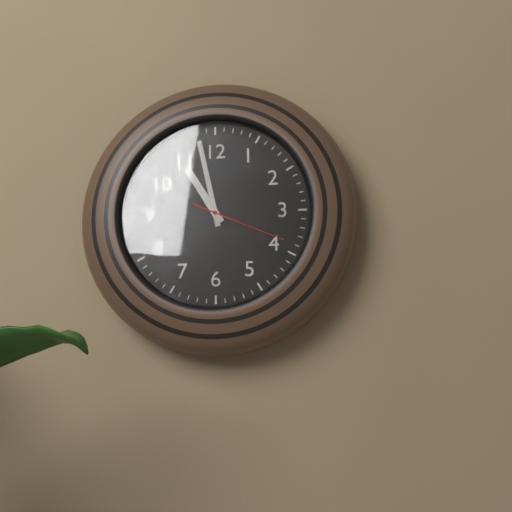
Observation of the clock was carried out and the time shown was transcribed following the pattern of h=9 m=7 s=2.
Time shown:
h=10 m=58 s=19
